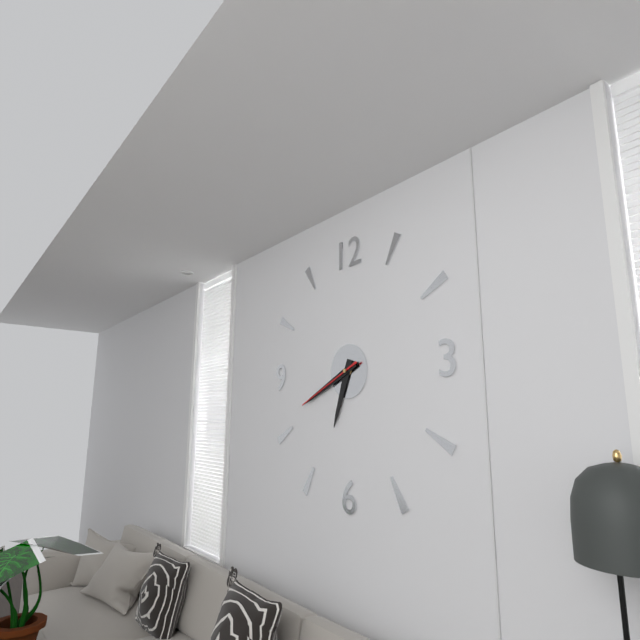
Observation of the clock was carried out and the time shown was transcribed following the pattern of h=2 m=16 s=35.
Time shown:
h=6 m=41 s=41
